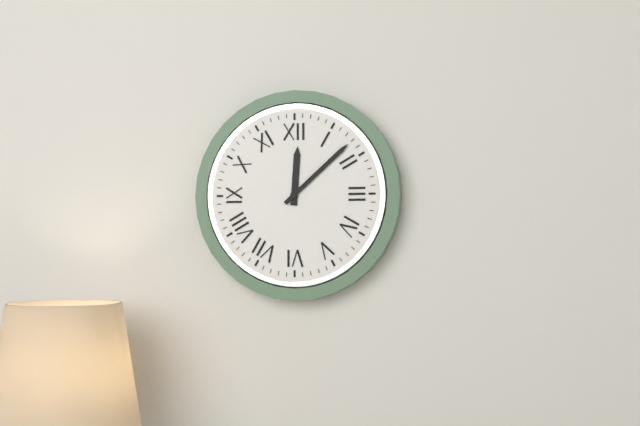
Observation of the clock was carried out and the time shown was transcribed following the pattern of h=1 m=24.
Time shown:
h=12 m=8
